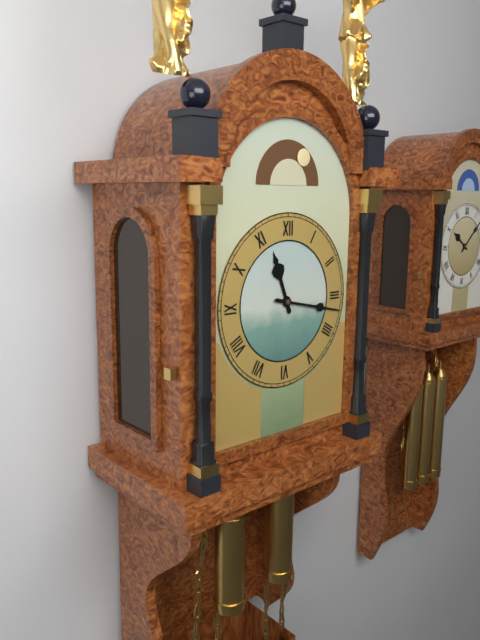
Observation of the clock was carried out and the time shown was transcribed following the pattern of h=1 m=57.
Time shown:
h=11 m=17
